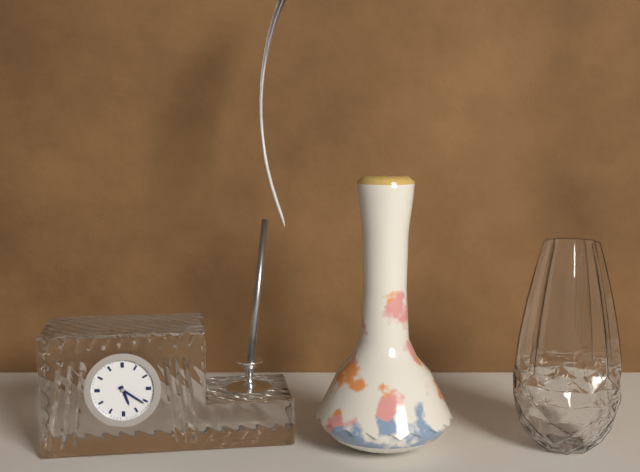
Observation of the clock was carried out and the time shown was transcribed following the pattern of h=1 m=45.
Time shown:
h=5 m=21
